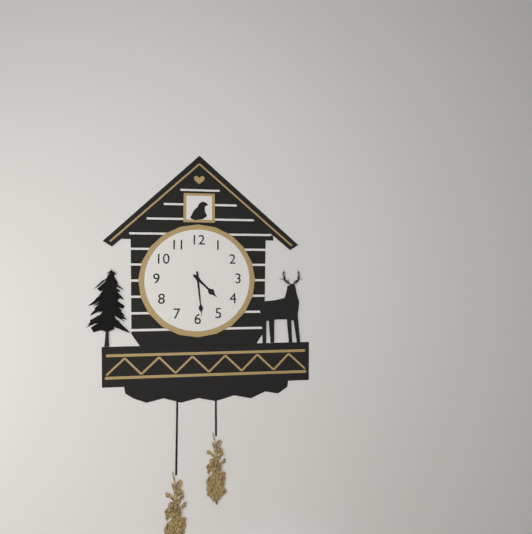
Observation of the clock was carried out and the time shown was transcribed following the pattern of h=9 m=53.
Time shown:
h=4 m=29
